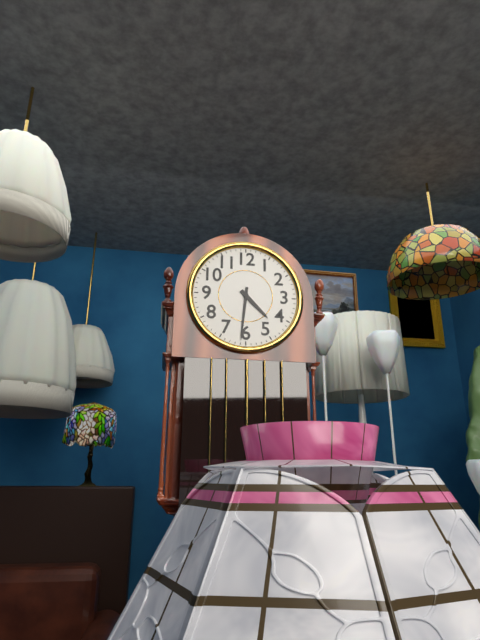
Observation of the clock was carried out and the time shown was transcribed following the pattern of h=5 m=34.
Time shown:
h=4 m=31
